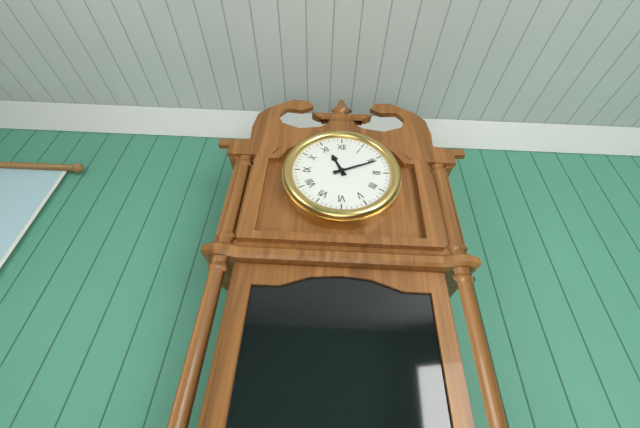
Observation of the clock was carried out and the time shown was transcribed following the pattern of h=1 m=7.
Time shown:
h=11 m=11
